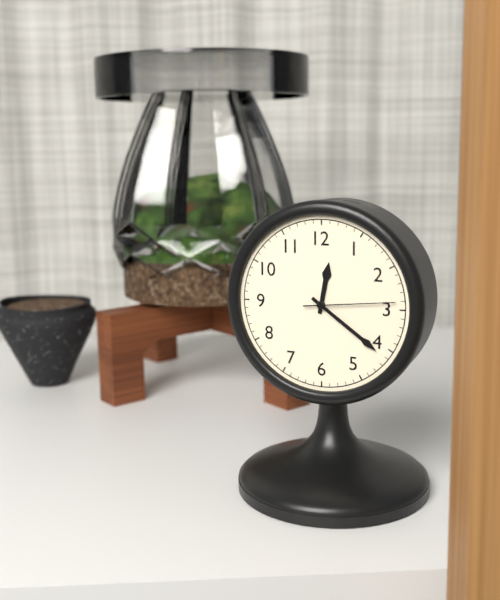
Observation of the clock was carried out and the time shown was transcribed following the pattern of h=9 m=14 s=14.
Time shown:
h=12 m=21 s=14
